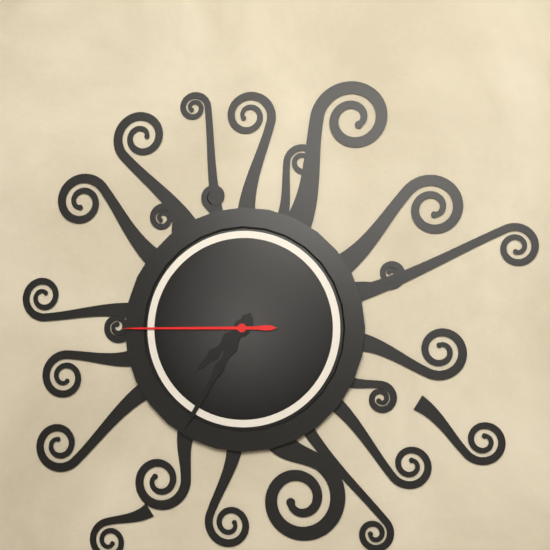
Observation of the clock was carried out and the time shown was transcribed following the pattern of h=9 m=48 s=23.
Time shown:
h=7 m=35 s=45
